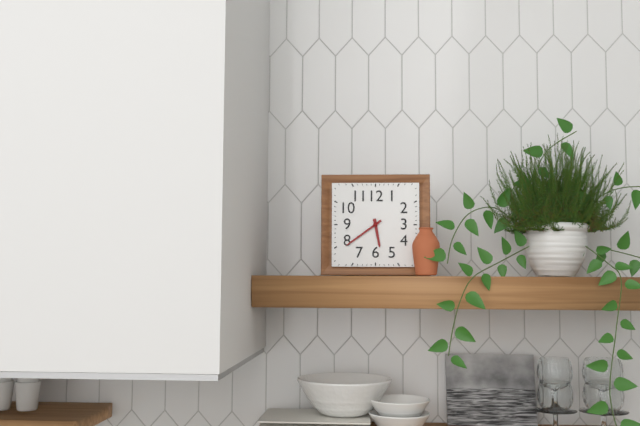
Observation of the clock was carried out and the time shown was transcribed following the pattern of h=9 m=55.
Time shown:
h=5 m=39
